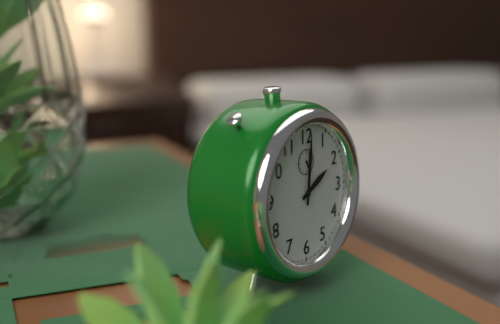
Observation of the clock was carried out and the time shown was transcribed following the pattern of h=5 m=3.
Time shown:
h=2 m=1
